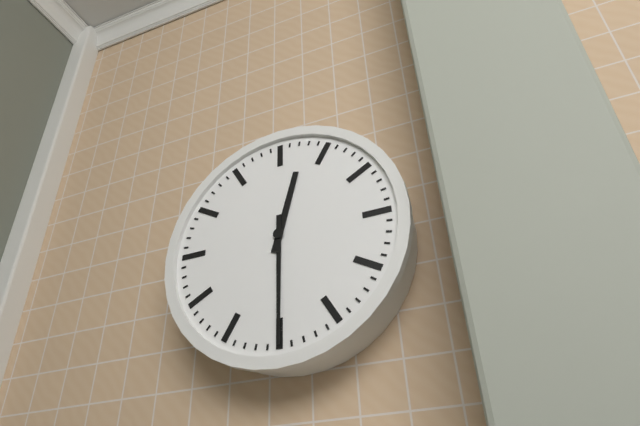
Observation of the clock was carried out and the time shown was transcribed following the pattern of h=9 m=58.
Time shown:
h=12 m=30
